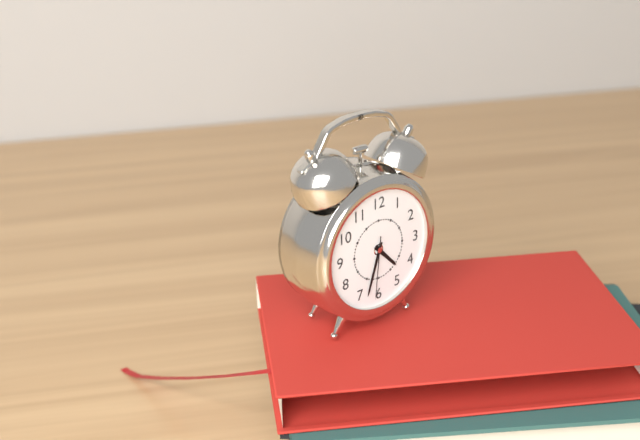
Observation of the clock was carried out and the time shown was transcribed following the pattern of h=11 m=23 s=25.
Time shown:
h=4 m=33 s=31
